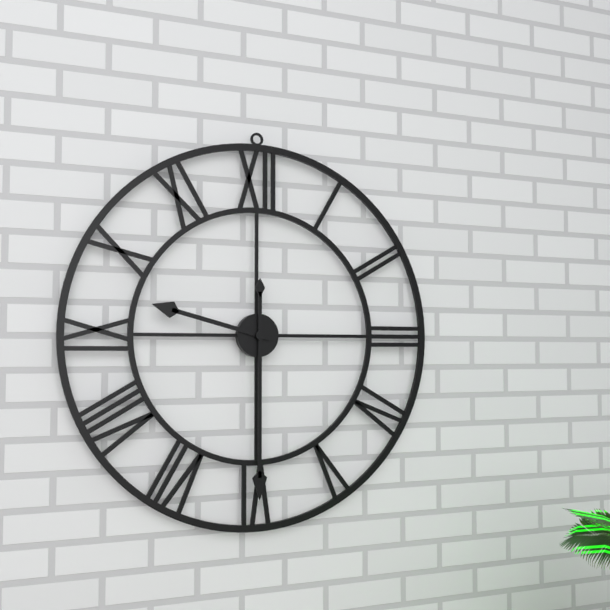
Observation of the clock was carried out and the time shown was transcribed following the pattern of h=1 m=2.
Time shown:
h=9 m=30
